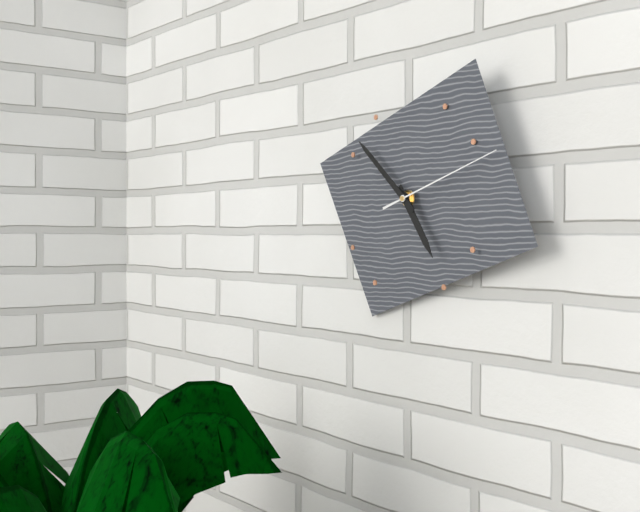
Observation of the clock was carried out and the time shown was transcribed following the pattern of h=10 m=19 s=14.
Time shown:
h=4 m=52 s=12
